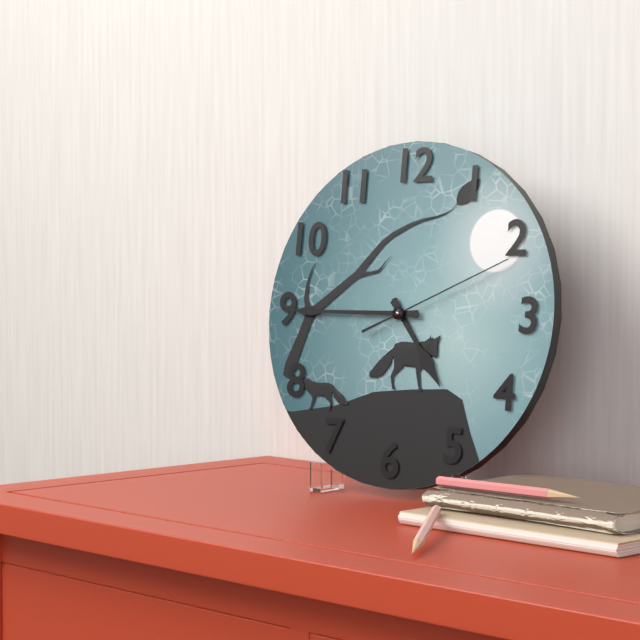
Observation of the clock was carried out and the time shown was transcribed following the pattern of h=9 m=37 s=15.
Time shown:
h=4 m=45 s=11
